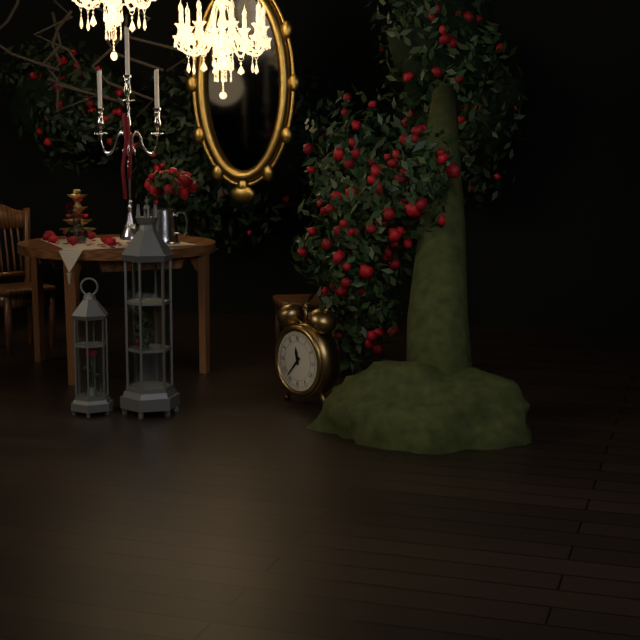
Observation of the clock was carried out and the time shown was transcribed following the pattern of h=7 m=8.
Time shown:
h=11 m=37
